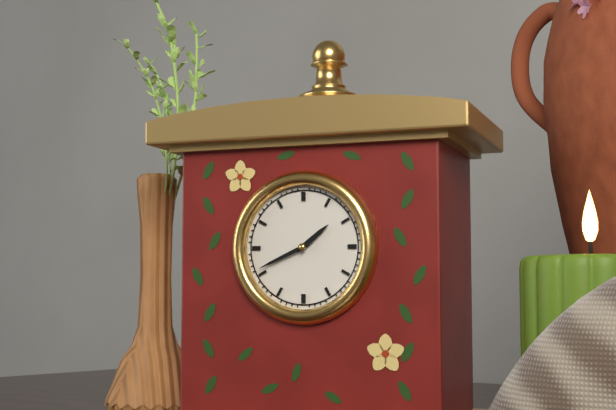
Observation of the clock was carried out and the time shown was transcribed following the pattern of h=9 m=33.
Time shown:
h=1 m=41
